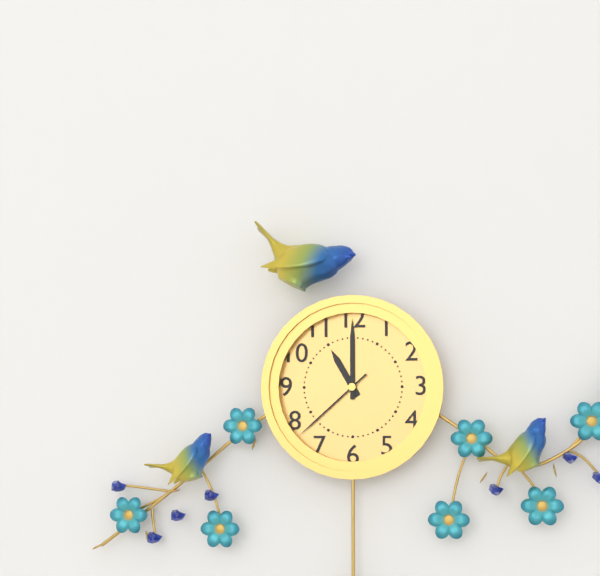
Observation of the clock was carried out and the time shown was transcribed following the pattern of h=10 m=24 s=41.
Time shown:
h=11 m=0 s=38
